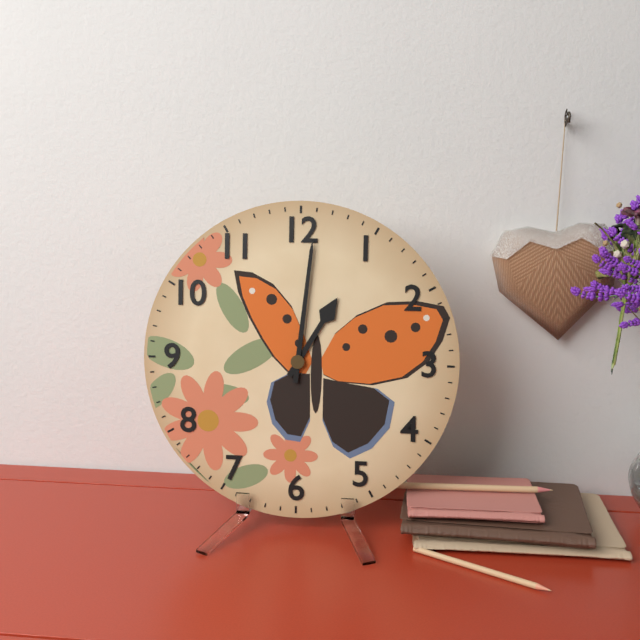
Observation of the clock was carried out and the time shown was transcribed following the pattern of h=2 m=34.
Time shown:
h=1 m=1
